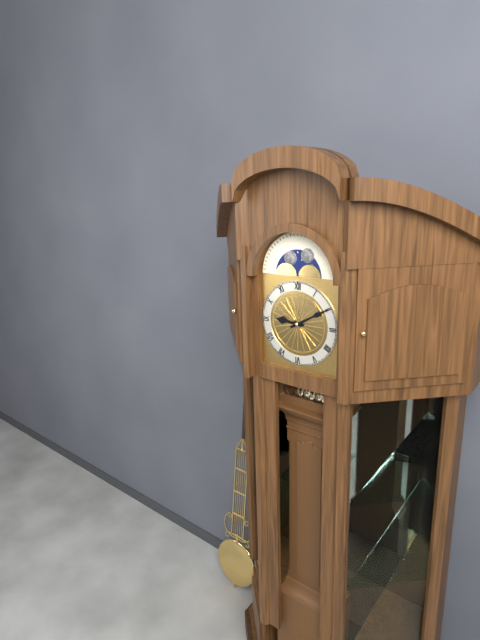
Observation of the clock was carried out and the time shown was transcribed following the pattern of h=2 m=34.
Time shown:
h=9 m=10
